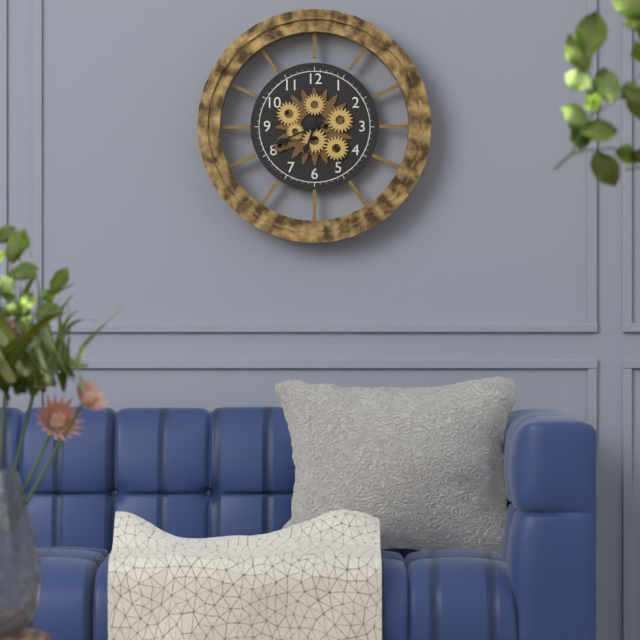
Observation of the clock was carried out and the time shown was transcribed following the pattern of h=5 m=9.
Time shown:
h=6 m=41
